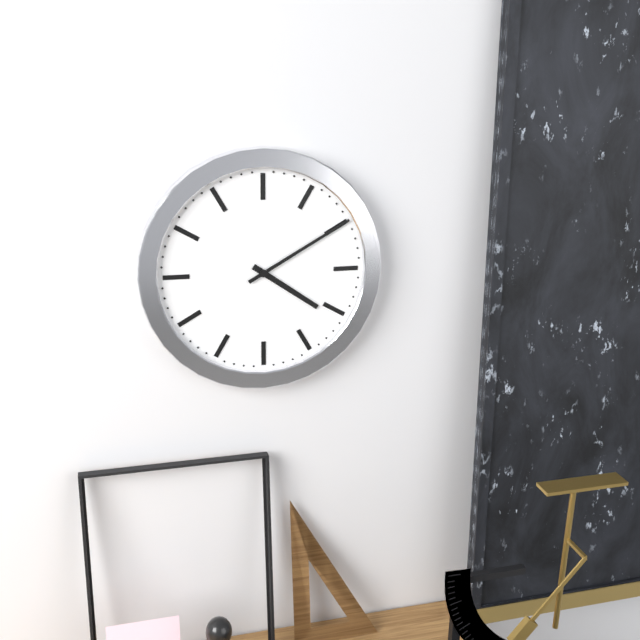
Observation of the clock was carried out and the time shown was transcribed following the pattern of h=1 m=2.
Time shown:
h=4 m=10
